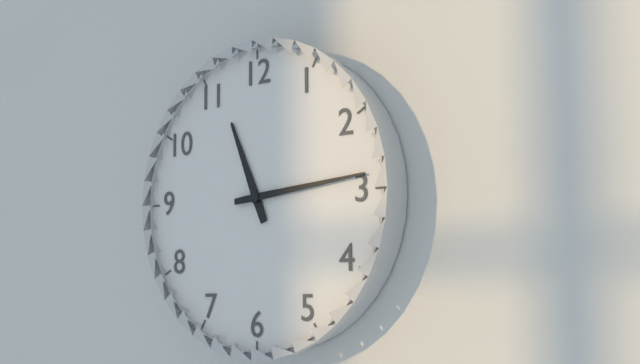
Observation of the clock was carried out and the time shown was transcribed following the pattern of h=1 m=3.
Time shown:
h=11 m=14
